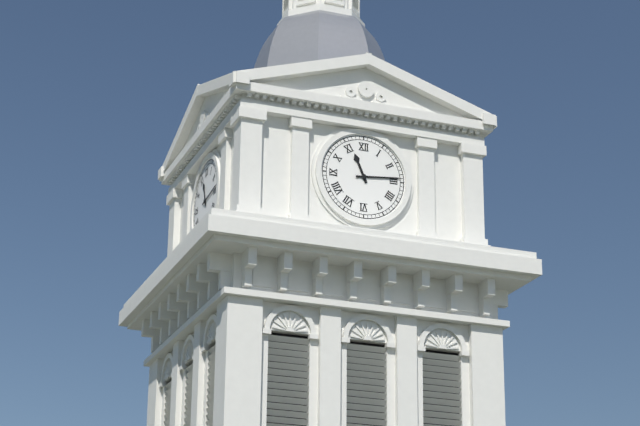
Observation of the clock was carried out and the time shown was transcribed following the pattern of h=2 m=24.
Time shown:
h=11 m=14
